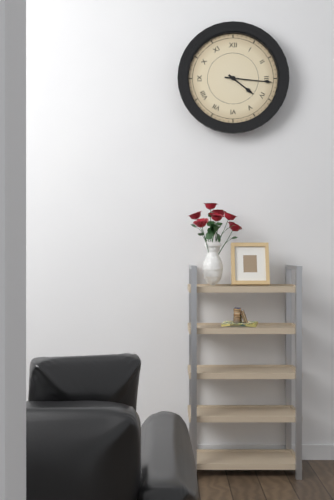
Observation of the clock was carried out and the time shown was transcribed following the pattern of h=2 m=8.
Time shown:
h=4 m=16
